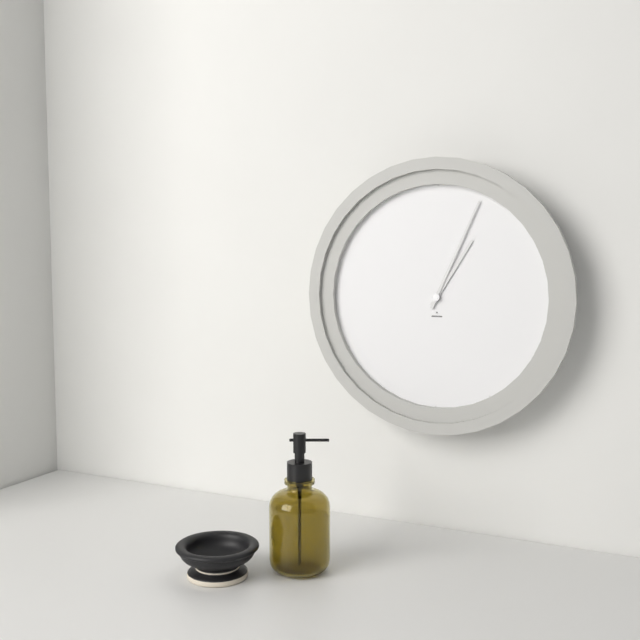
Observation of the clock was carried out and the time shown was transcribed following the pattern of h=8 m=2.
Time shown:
h=1 m=4
